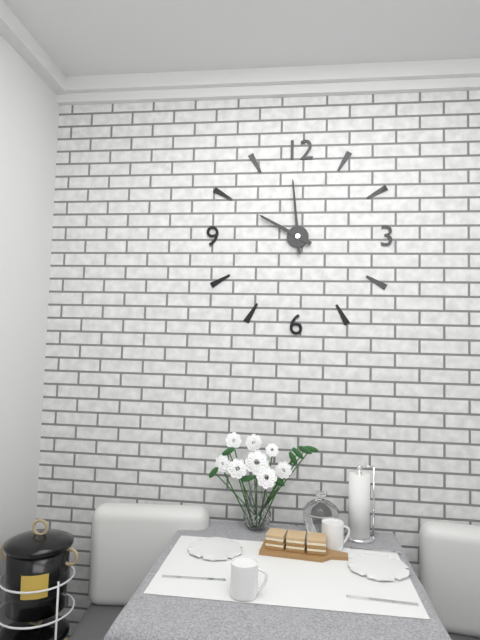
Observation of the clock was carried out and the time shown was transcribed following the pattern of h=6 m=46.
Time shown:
h=9 m=59
